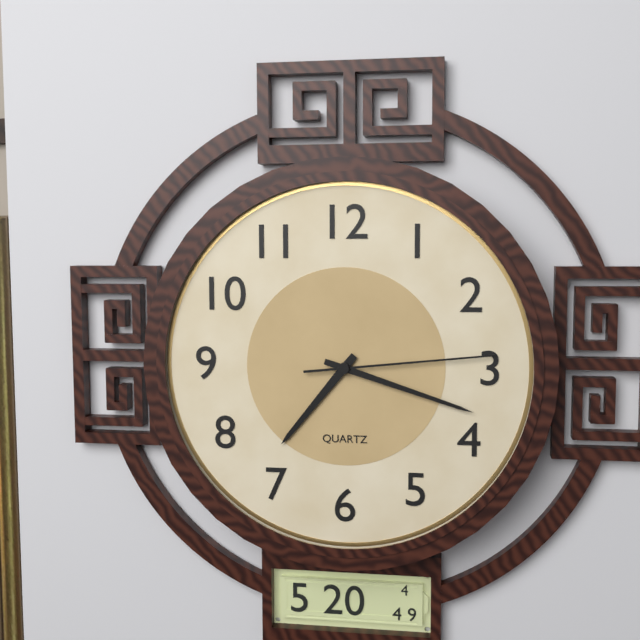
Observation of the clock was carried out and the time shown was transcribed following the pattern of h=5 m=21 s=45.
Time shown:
h=7 m=18 s=14
